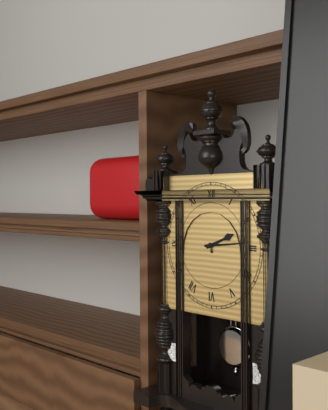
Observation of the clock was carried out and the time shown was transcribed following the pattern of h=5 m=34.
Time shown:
h=2 m=14
